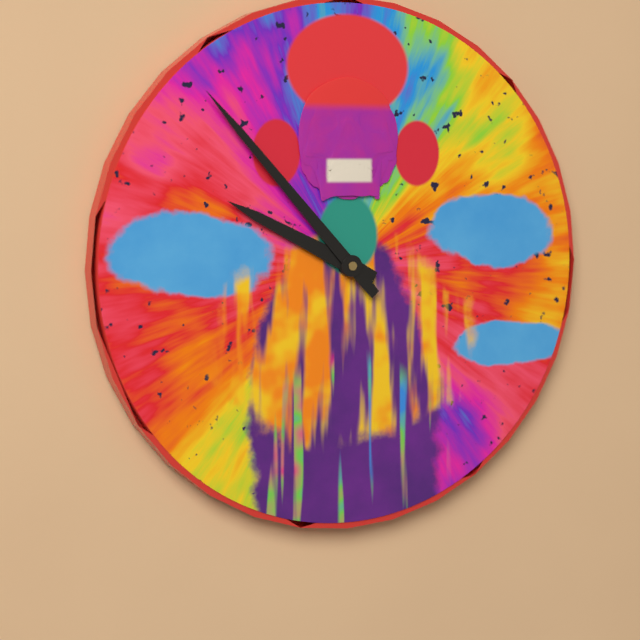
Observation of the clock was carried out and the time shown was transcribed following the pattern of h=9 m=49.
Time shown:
h=9 m=53
